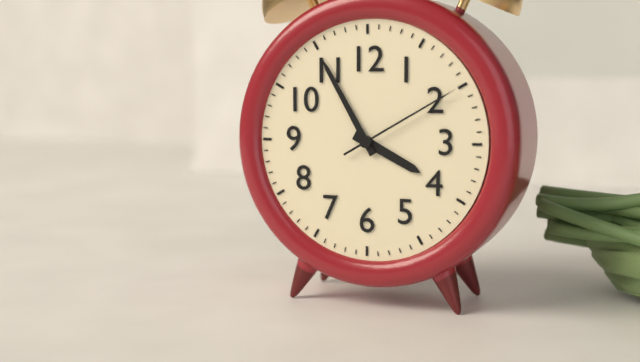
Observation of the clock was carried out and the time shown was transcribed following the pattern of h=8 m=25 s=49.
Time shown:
h=3 m=55 s=10
